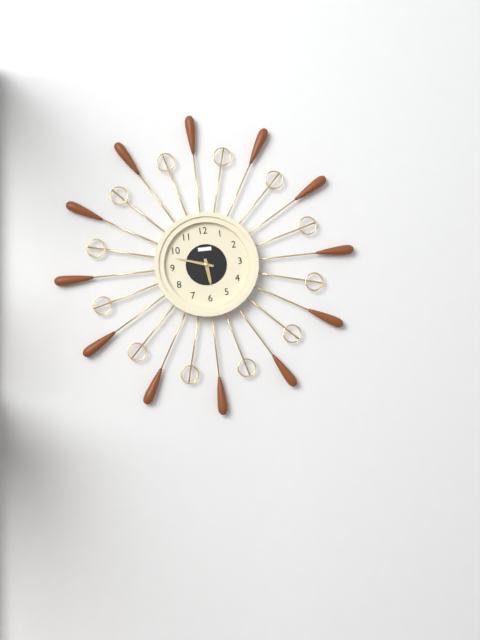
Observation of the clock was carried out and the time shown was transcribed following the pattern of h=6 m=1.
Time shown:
h=5 m=48
